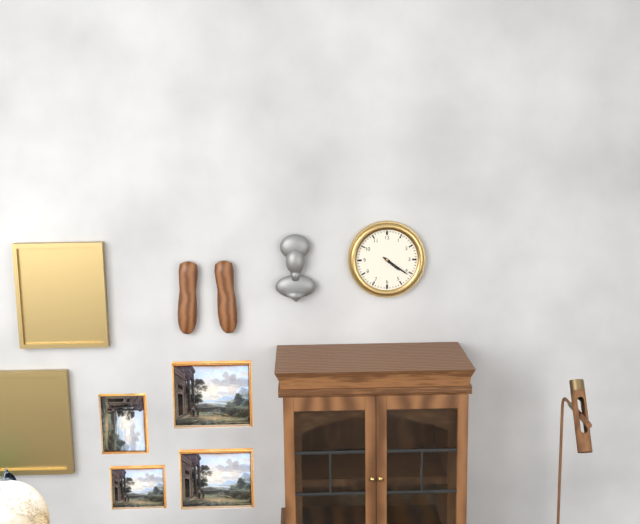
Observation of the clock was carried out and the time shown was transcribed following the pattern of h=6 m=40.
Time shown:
h=4 m=21
